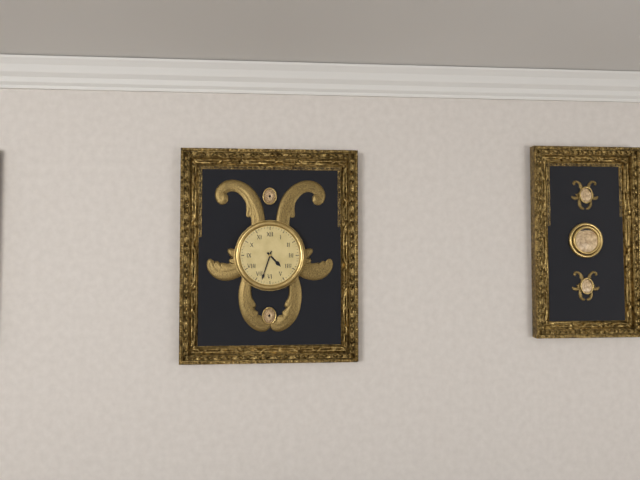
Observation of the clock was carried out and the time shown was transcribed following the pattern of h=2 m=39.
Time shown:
h=4 m=33
